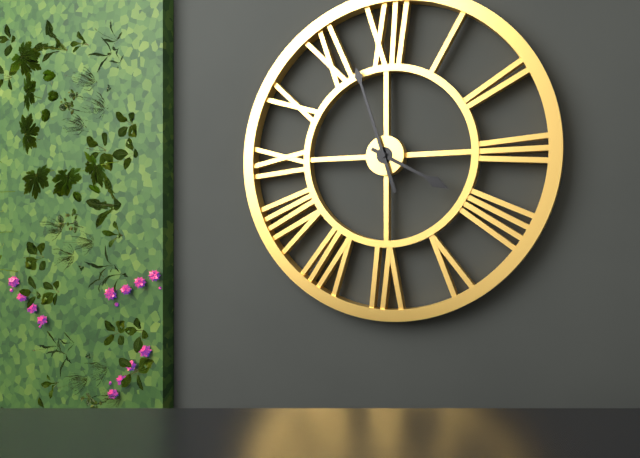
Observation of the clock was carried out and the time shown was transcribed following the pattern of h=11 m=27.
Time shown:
h=3 m=57
